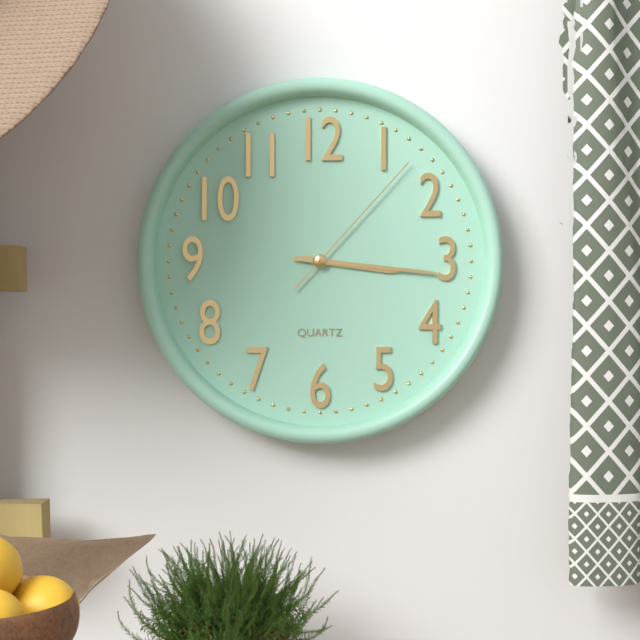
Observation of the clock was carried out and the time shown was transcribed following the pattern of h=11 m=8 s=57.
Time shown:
h=3 m=16 s=7
